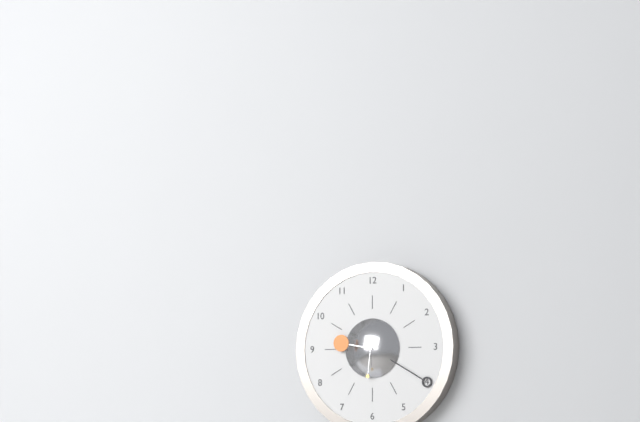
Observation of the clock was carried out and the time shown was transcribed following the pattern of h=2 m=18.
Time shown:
h=9 m=20
